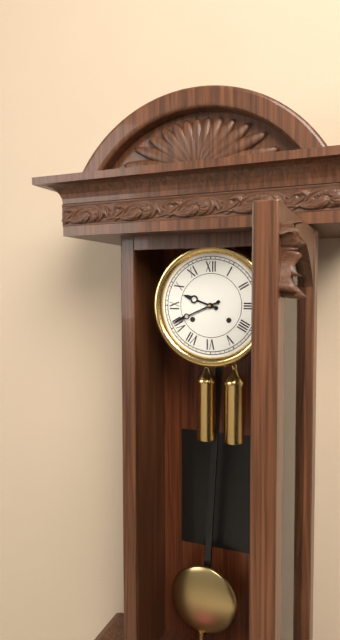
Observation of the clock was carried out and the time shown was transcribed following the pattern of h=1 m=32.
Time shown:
h=9 m=41
